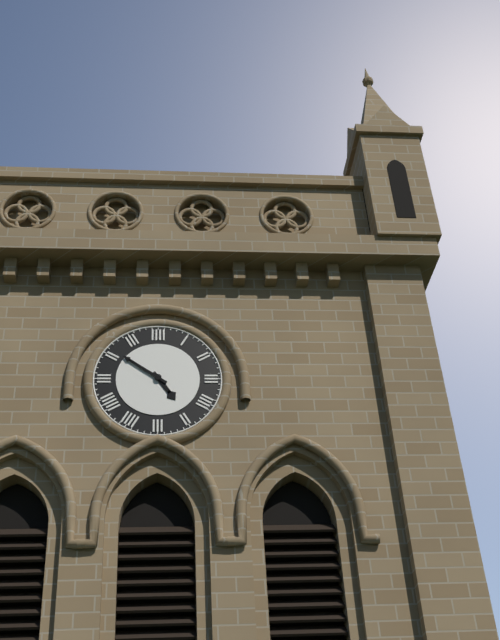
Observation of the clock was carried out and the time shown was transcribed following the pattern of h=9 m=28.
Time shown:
h=4 m=51
